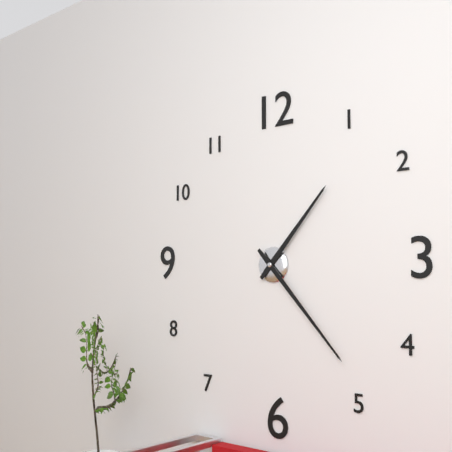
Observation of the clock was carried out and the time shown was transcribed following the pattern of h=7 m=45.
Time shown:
h=1 m=23
